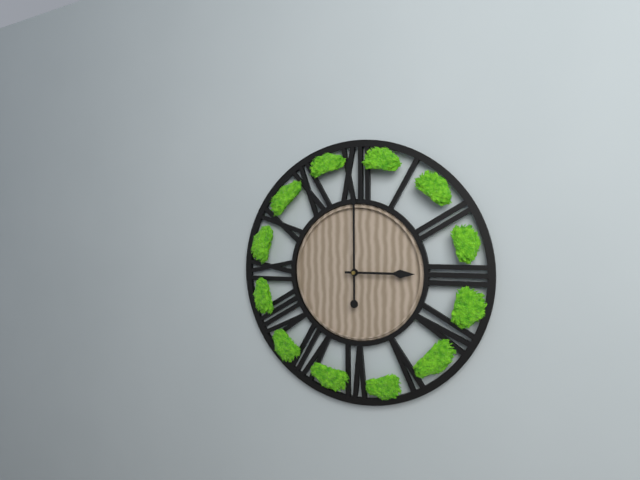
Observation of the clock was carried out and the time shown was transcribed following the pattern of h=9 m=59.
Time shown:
h=3 m=0
